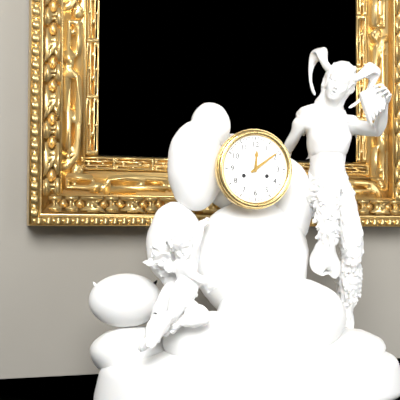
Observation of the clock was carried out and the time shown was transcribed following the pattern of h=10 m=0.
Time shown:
h=12 m=9
